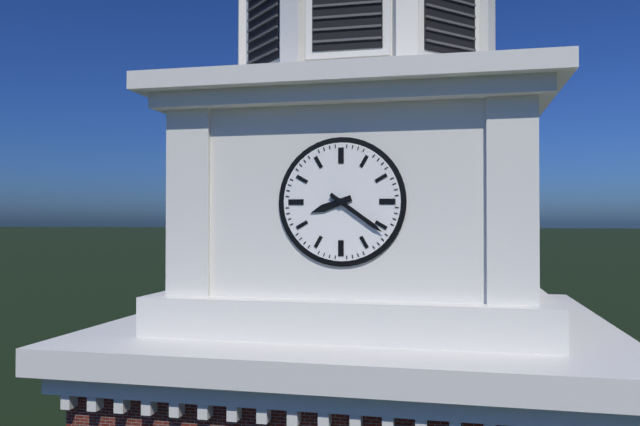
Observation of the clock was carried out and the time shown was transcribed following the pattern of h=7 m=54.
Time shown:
h=8 m=21
